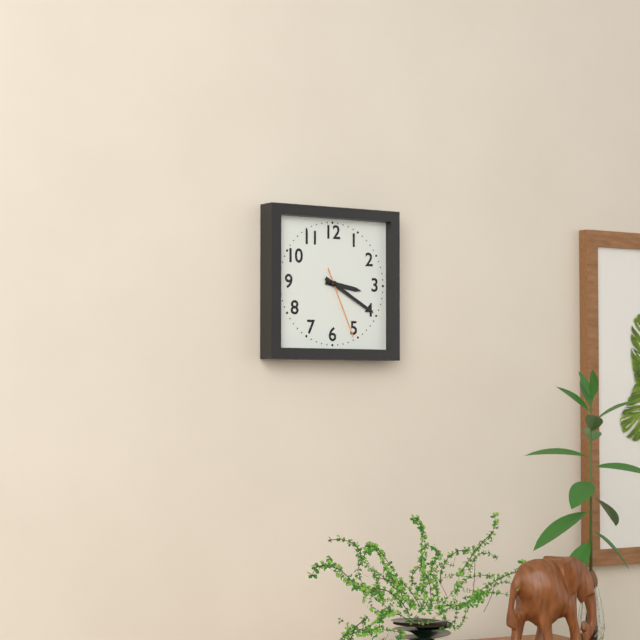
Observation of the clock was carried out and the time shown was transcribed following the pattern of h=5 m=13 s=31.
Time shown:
h=3 m=20 s=26
